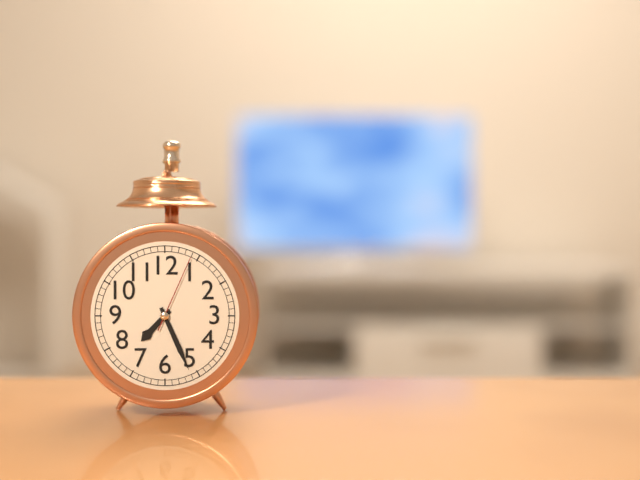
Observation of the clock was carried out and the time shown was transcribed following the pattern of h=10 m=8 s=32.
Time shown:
h=7 m=26 s=4
